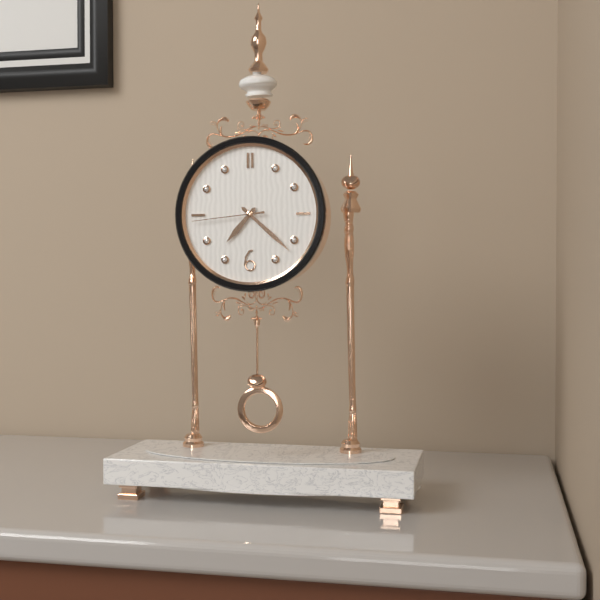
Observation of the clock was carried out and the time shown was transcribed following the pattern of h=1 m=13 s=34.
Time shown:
h=7 m=22 s=44
